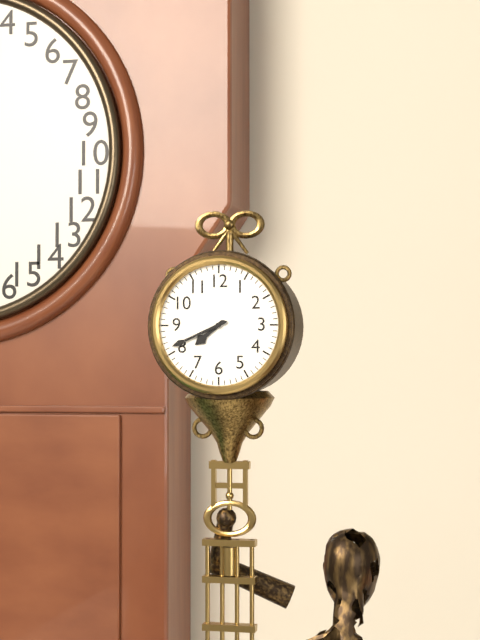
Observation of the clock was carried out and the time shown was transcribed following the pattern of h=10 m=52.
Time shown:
h=7 m=41
